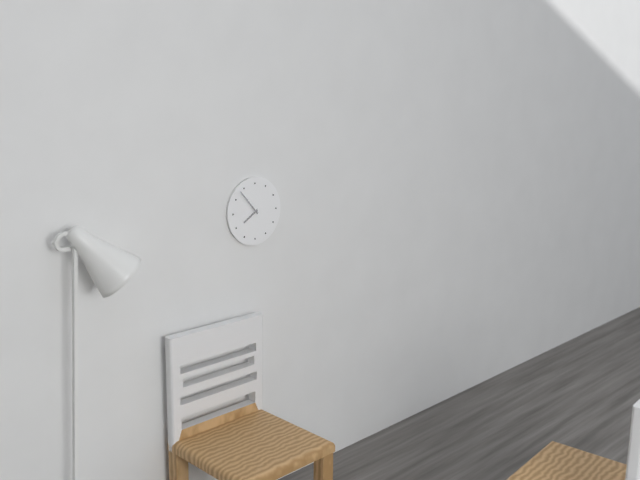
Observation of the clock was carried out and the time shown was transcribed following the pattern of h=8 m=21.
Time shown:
h=7 m=53
